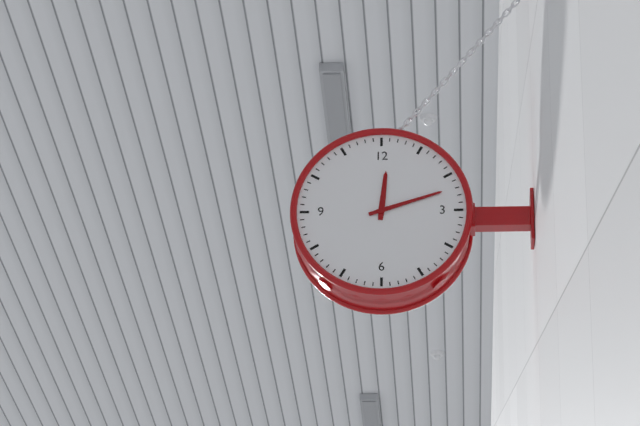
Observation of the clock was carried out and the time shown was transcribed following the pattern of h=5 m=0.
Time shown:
h=12 m=12
